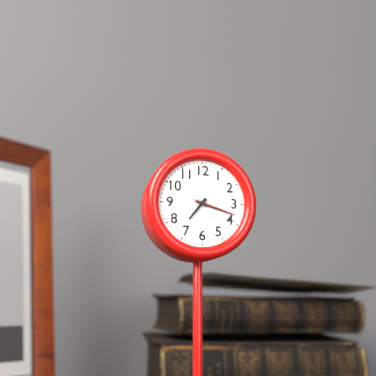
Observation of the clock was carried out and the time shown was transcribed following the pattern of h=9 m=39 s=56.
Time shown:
h=7 m=18 s=18
